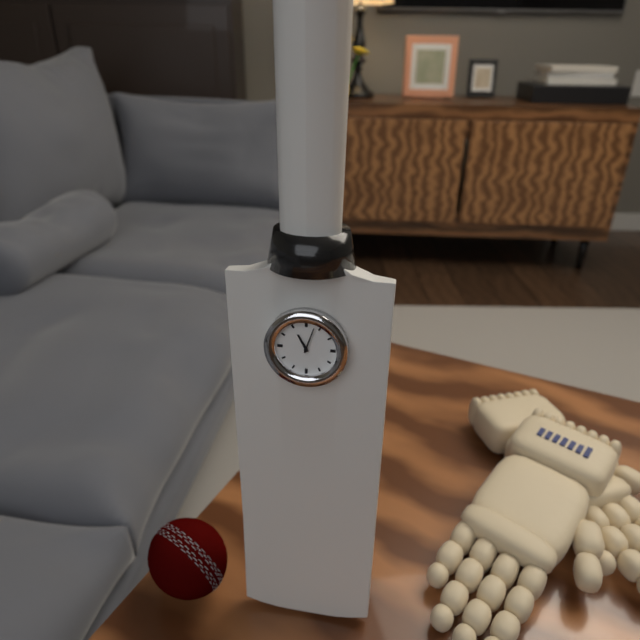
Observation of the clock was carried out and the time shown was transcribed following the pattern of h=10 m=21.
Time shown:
h=11 m=3
